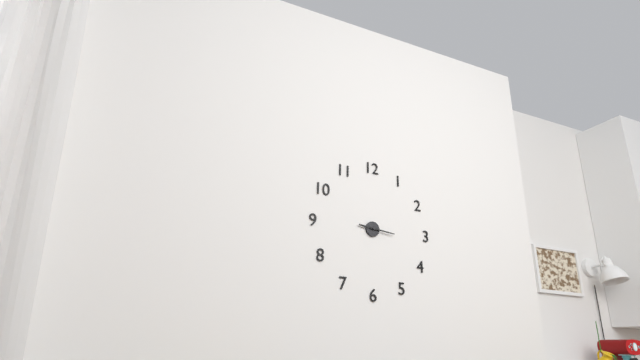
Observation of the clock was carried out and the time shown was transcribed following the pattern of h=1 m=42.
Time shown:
h=9 m=16
